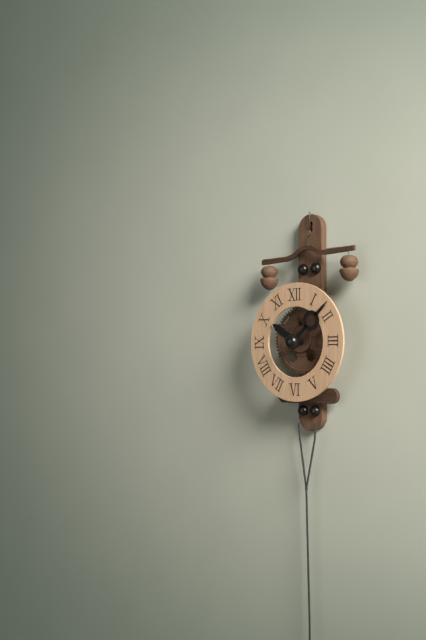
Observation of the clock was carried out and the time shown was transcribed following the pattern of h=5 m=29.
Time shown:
h=10 m=8
